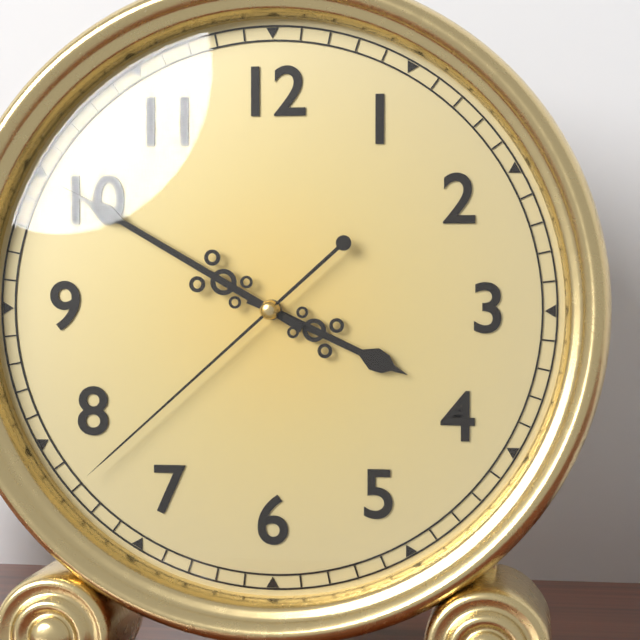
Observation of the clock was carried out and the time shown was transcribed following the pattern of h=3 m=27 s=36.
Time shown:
h=3 m=50 s=38
